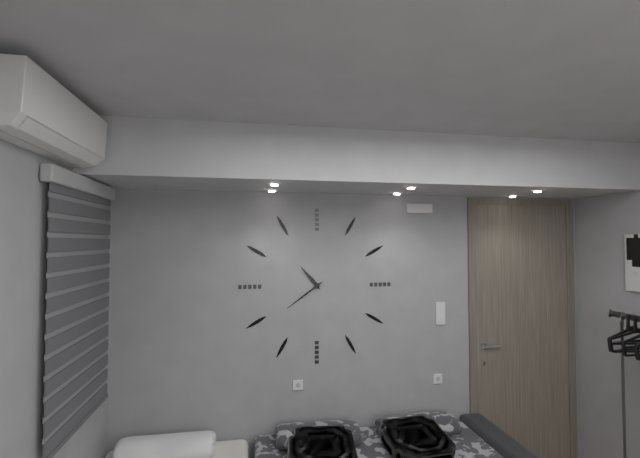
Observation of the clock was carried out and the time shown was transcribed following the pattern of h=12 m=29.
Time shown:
h=10 m=39
